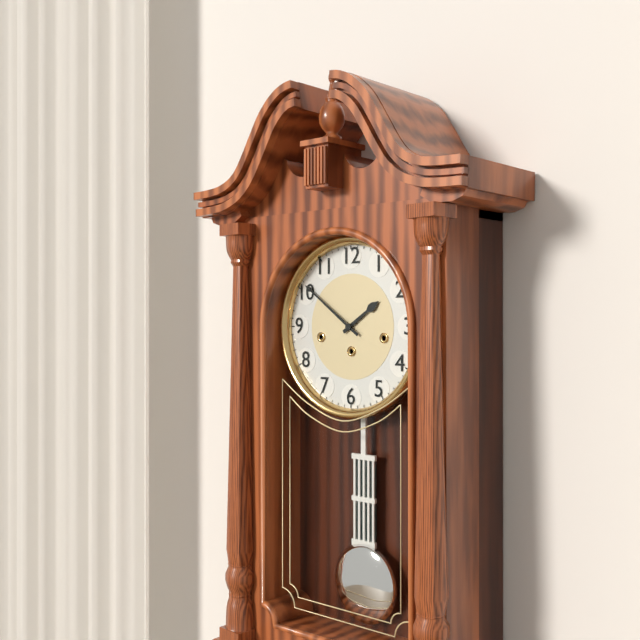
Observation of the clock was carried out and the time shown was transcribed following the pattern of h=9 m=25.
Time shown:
h=1 m=51
